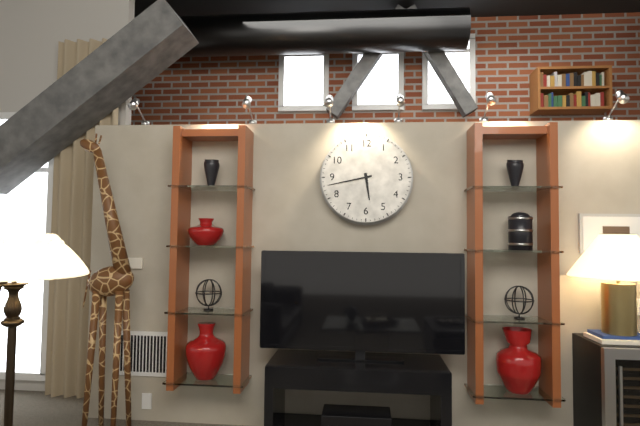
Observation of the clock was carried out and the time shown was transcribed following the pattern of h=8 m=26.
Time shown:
h=5 m=43
